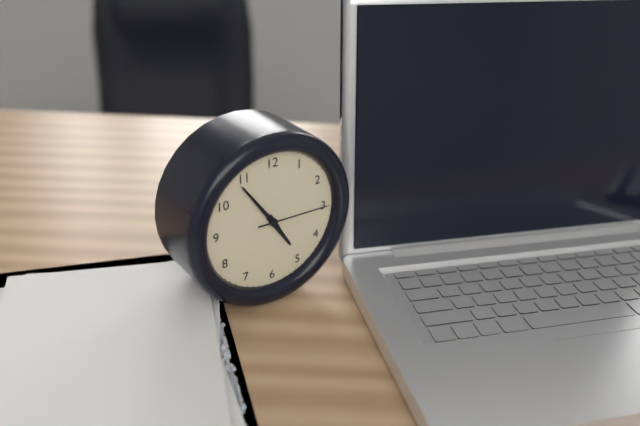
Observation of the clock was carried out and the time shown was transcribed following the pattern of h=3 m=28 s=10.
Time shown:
h=4 m=54 s=15
